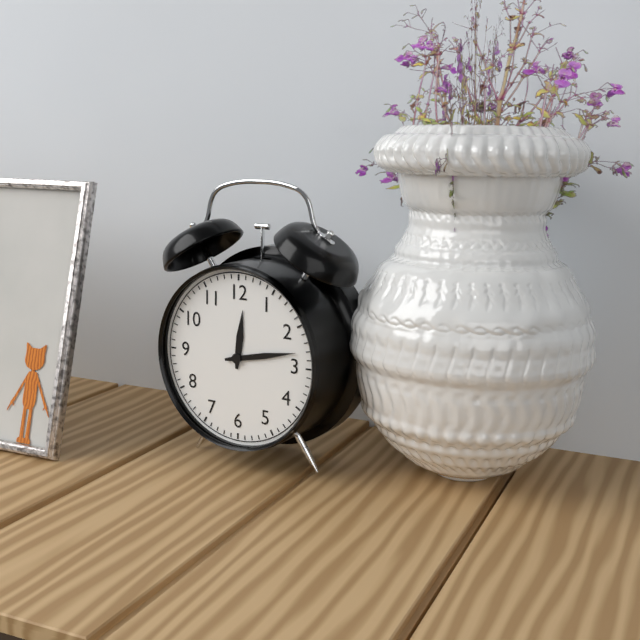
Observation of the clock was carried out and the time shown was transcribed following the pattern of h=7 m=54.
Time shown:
h=12 m=13
